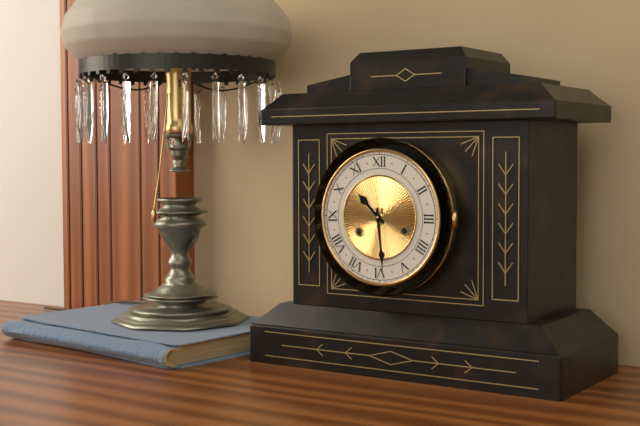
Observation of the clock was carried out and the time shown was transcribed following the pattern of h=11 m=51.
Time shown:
h=10 m=29
